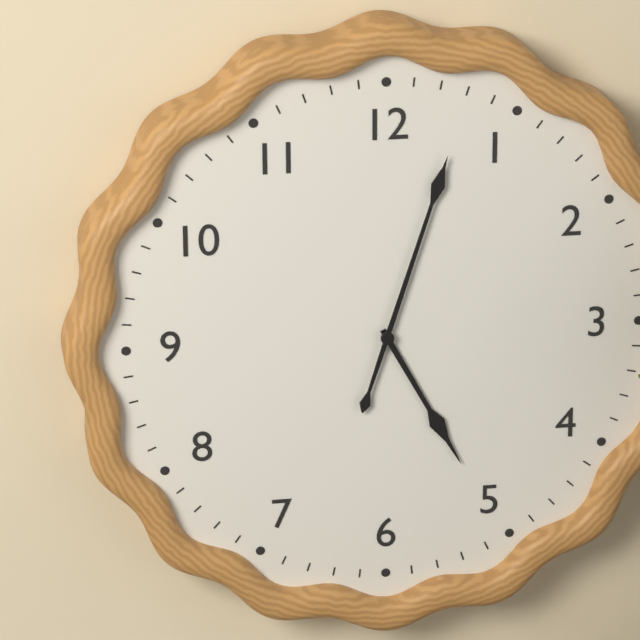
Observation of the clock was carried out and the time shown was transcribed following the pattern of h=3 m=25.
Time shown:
h=5 m=3
